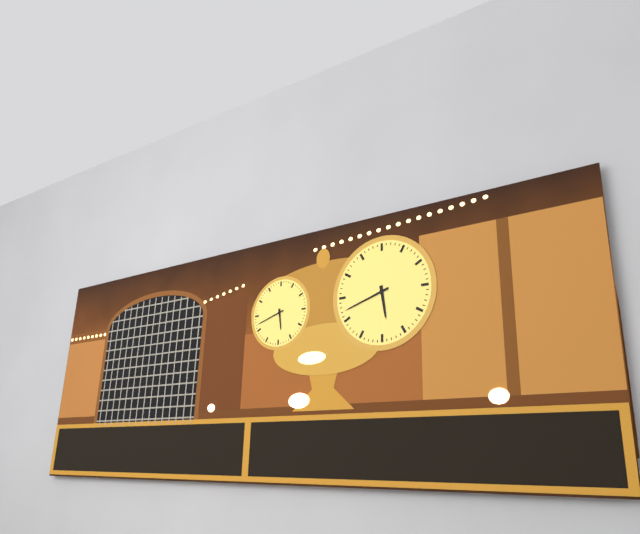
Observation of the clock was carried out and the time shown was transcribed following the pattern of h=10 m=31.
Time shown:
h=5 m=42
